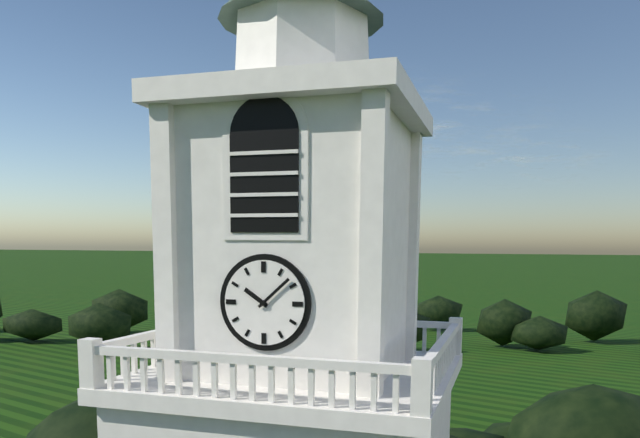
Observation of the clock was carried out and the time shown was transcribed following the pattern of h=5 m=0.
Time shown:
h=10 m=8
